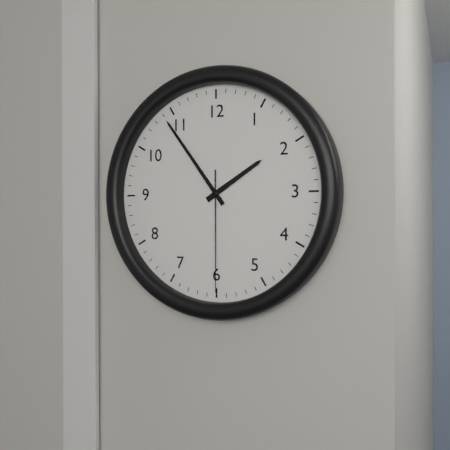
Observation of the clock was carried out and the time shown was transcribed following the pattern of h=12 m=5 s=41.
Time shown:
h=1 m=54 s=30
